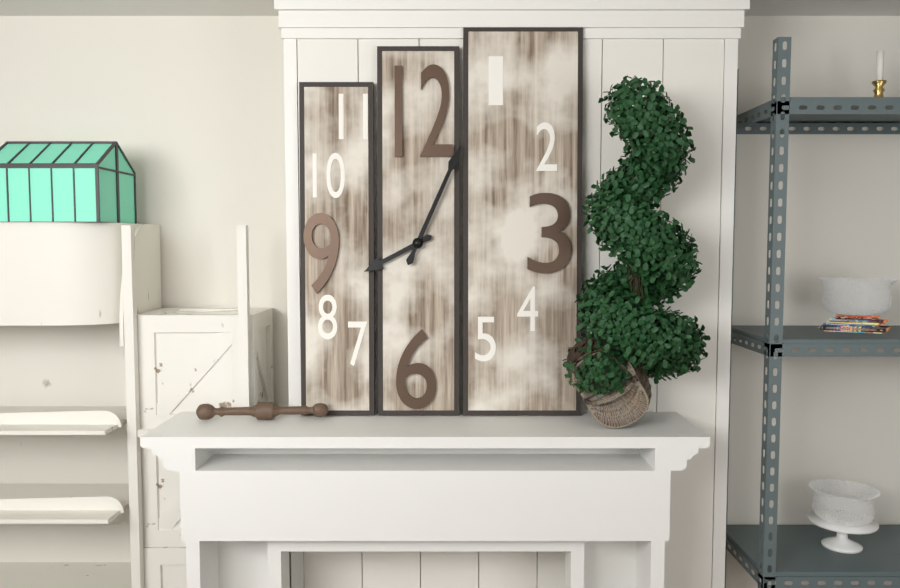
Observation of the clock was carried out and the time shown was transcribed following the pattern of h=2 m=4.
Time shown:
h=8 m=4
